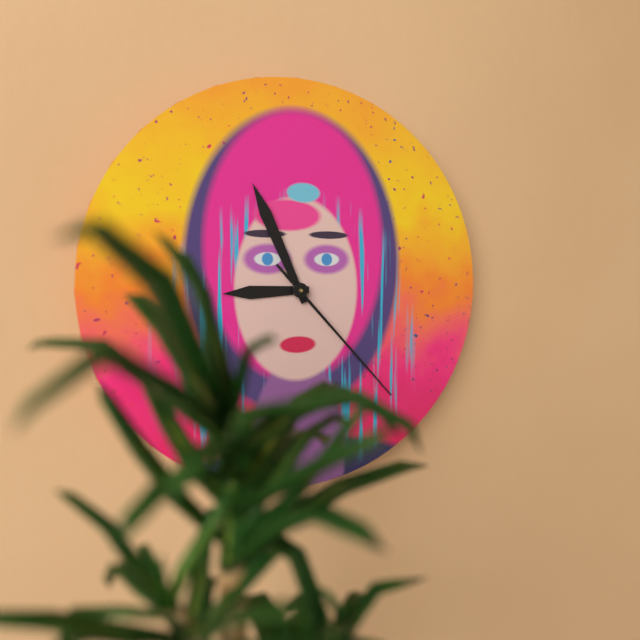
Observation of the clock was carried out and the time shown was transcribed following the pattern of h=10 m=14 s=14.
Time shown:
h=8 m=56 s=23
